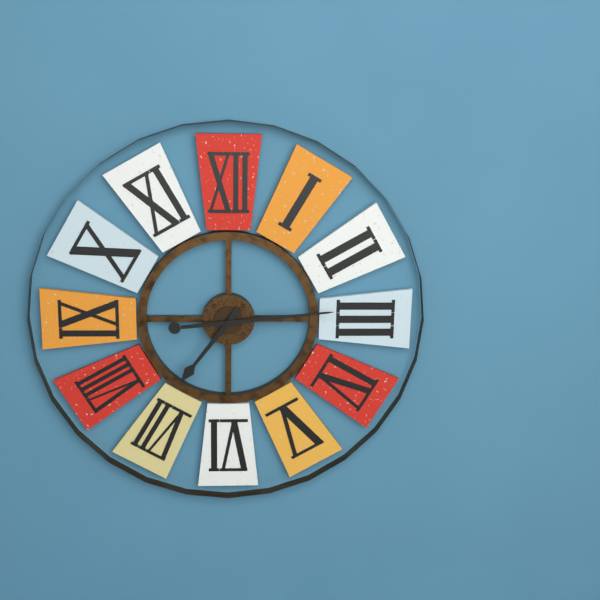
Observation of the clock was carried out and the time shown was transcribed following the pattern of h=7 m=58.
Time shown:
h=7 m=14
